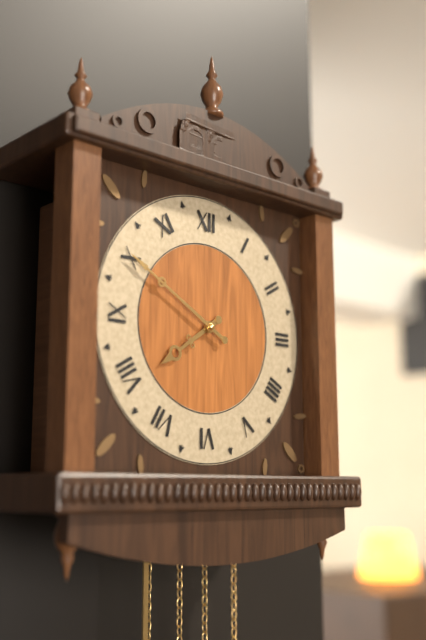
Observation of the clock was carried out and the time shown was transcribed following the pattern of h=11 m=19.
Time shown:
h=7 m=50
